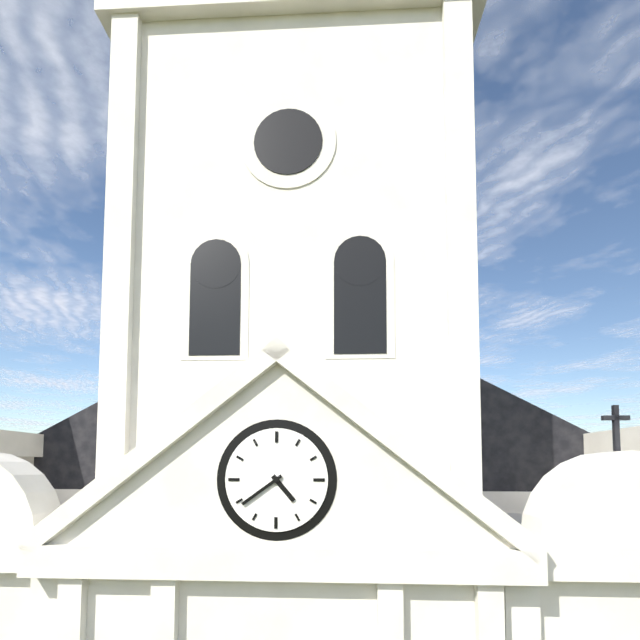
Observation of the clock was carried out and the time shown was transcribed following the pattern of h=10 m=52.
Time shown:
h=4 m=39
